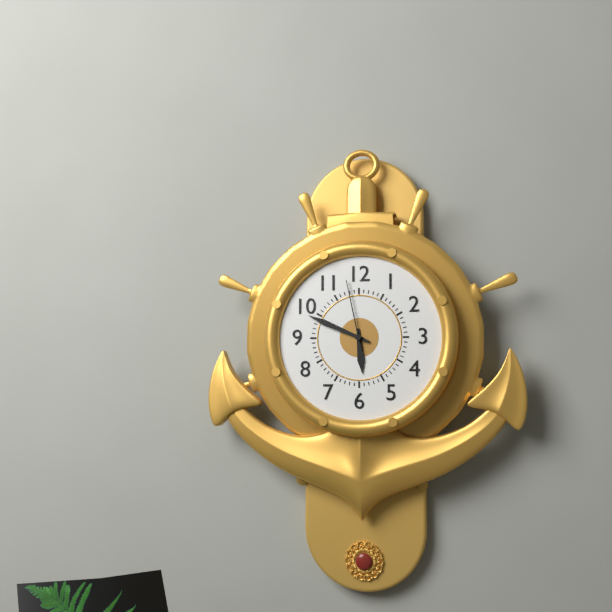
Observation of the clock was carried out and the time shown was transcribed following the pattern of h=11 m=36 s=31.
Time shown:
h=5 m=49 s=58
